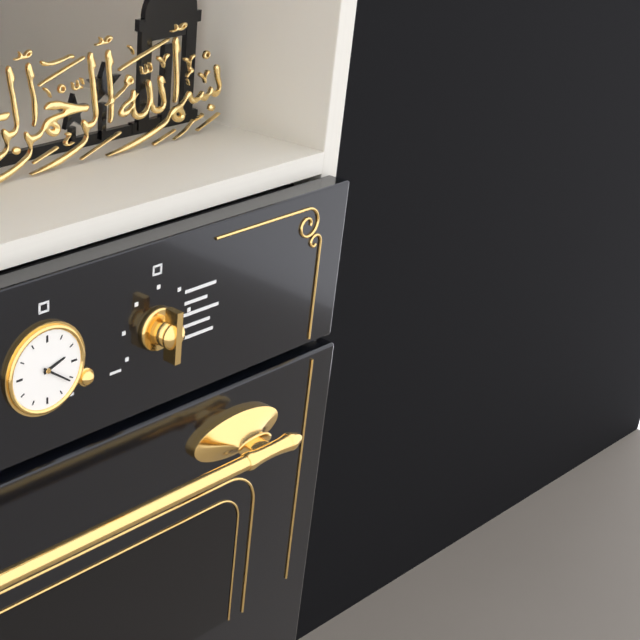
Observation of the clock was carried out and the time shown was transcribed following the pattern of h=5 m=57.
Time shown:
h=2 m=21
